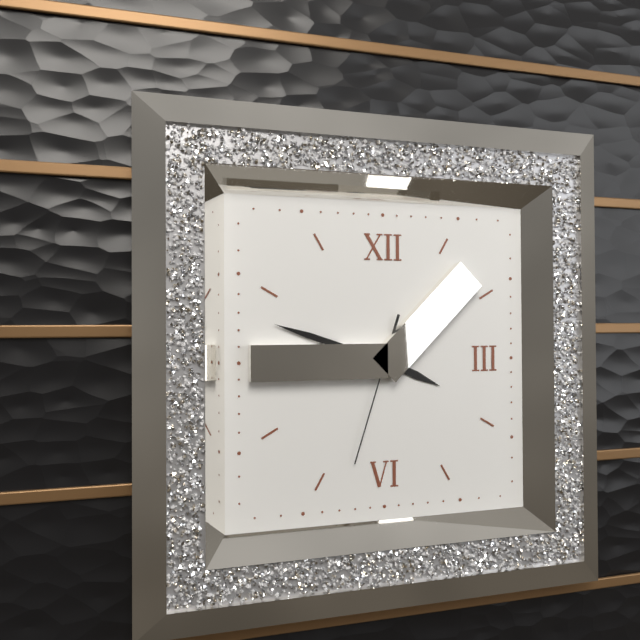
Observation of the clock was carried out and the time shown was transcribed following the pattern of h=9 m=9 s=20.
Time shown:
h=3 m=48 s=33
